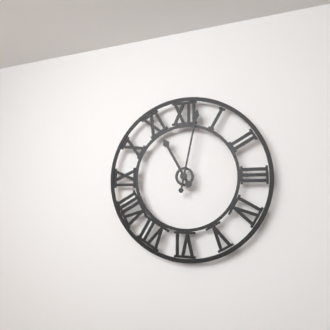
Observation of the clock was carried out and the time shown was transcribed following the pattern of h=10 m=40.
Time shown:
h=11 m=2
